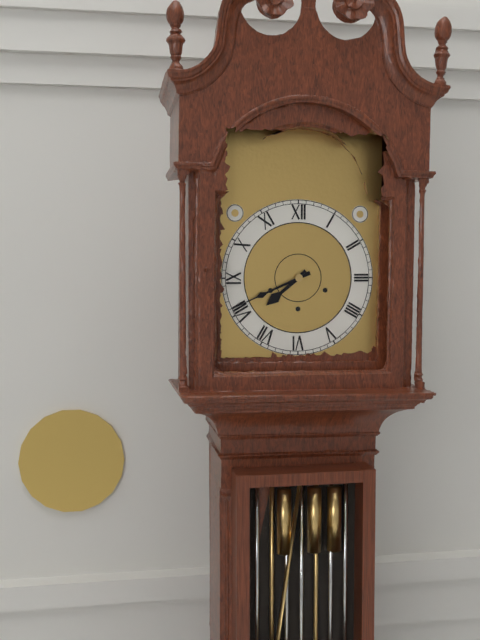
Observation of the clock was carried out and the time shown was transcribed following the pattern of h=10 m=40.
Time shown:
h=7 m=41
